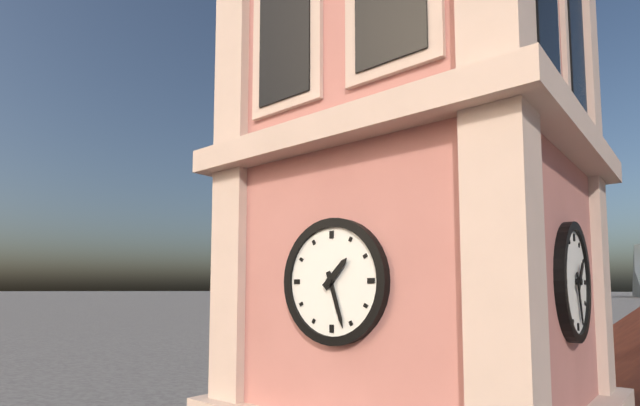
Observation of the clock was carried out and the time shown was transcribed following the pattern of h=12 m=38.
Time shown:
h=1 m=27
